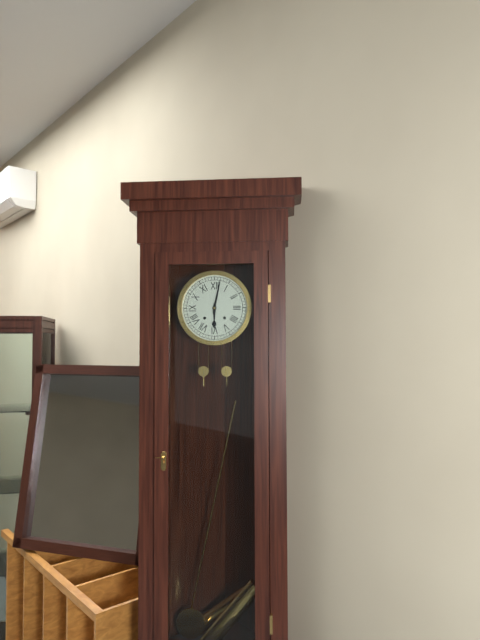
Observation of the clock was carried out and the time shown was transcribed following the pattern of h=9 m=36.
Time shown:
h=6 m=2
